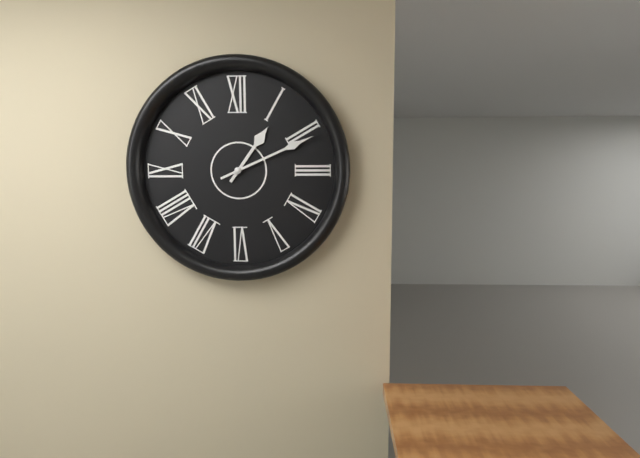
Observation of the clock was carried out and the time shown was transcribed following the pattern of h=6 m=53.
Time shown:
h=1 m=11
